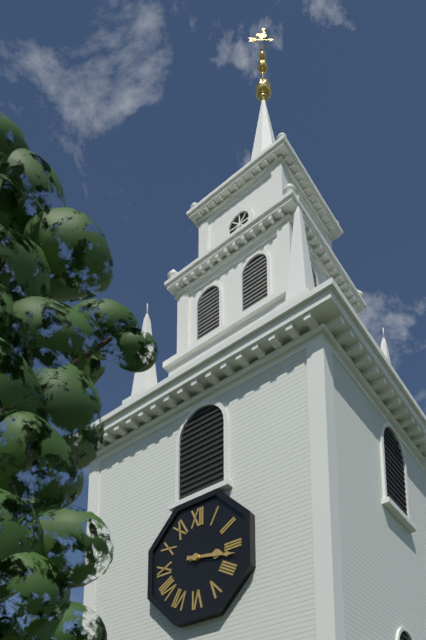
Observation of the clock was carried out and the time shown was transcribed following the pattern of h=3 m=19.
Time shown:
h=3 m=17
